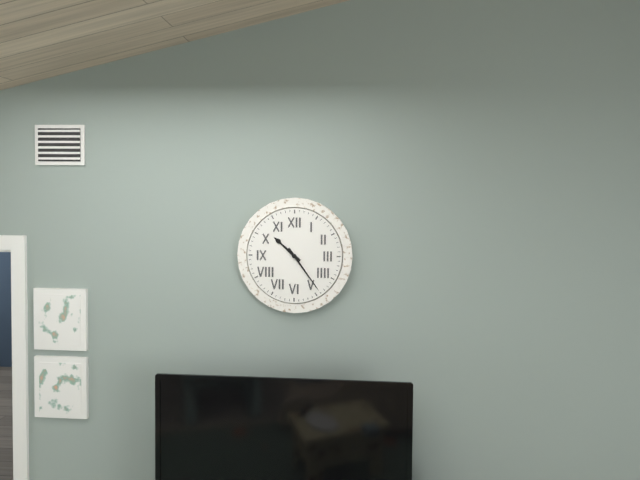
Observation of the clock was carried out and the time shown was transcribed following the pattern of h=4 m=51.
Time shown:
h=10 m=24
